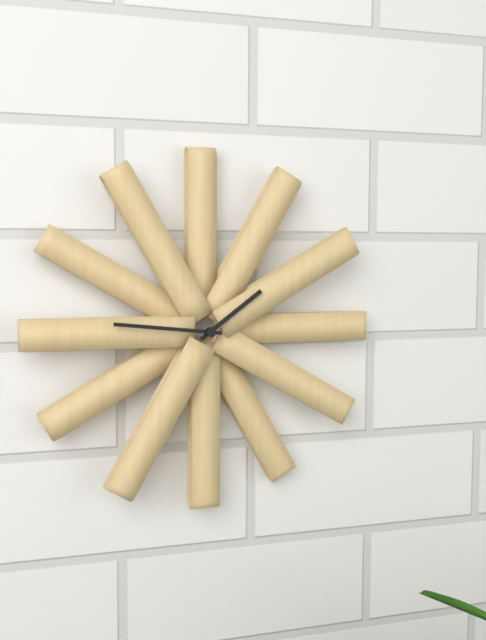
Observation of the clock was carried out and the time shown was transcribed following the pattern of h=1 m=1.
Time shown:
h=1 m=46
